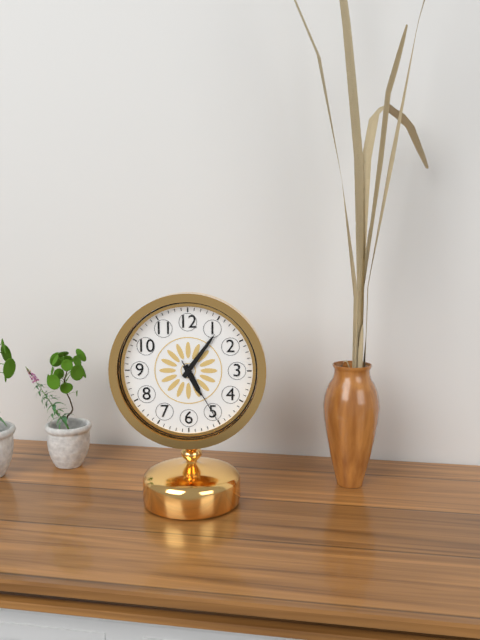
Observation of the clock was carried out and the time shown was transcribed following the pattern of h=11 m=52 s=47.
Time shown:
h=5 m=6 s=25
